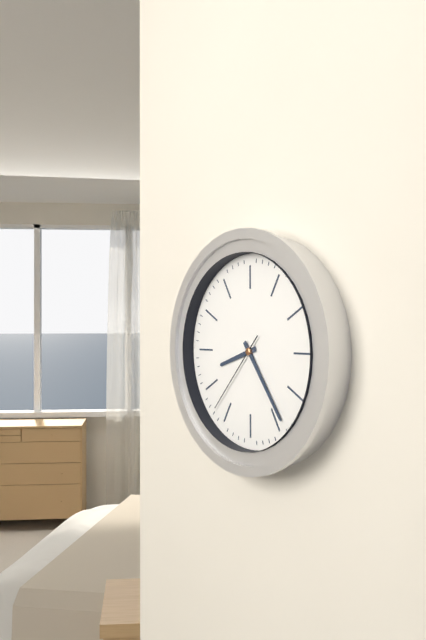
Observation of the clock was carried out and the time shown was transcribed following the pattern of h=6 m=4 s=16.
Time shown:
h=8 m=24 s=37
